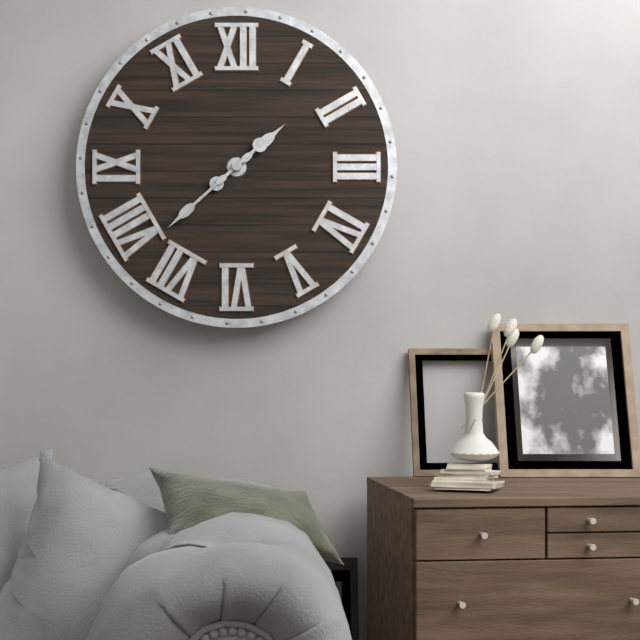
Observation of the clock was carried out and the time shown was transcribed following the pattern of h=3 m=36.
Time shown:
h=1 m=38
